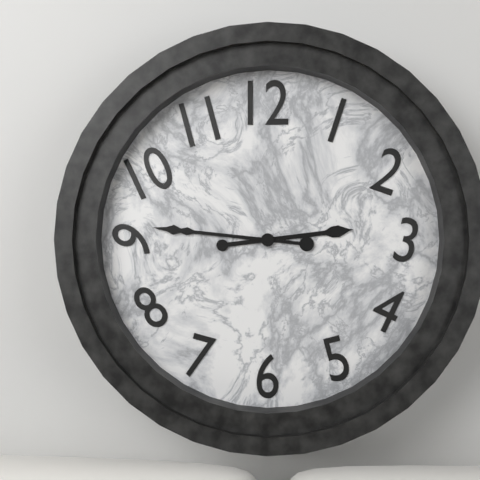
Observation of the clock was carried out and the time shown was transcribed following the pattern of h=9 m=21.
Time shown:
h=2 m=46
